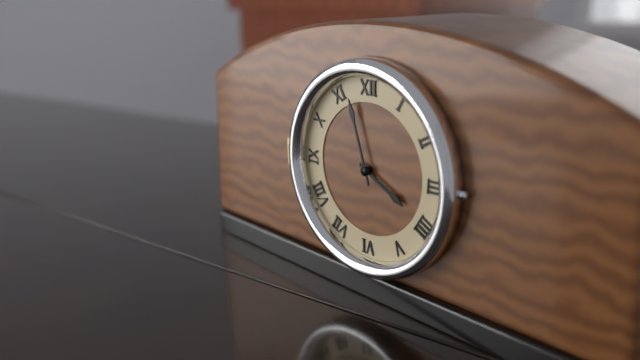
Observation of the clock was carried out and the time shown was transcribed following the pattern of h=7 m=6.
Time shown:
h=3 m=57
